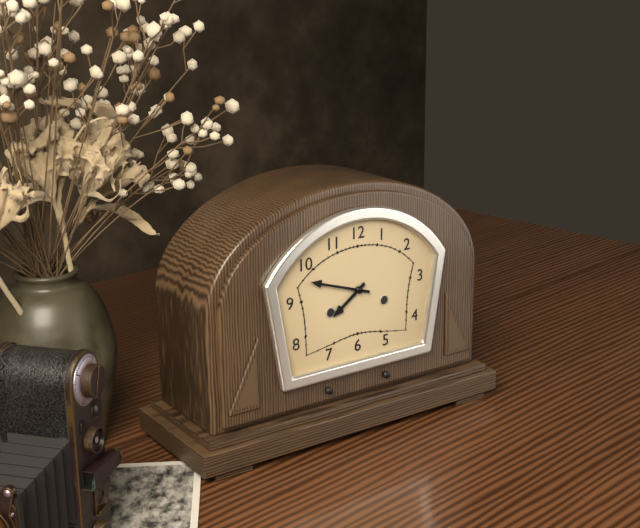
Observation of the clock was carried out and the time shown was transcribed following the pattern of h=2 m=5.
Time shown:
h=7 m=48
